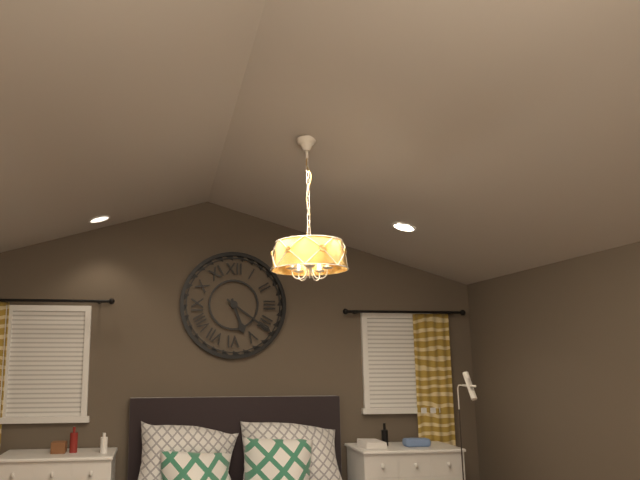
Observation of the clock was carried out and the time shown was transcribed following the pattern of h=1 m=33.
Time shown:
h=5 m=21
